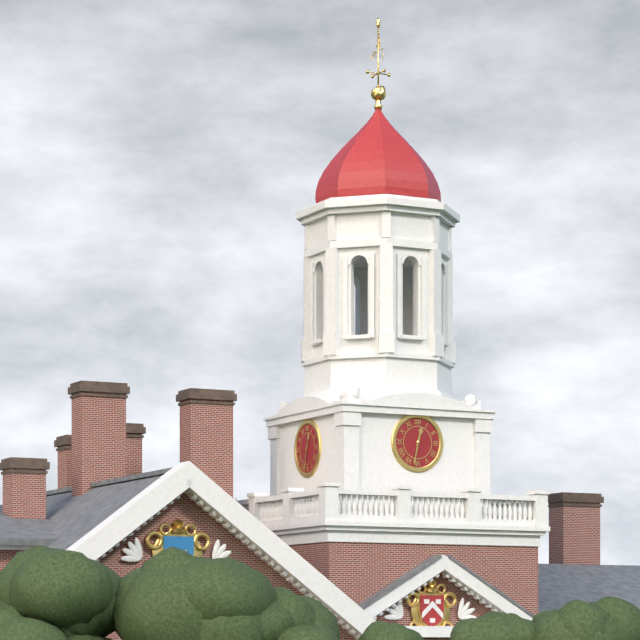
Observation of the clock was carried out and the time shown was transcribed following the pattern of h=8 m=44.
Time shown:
h=12 m=32
